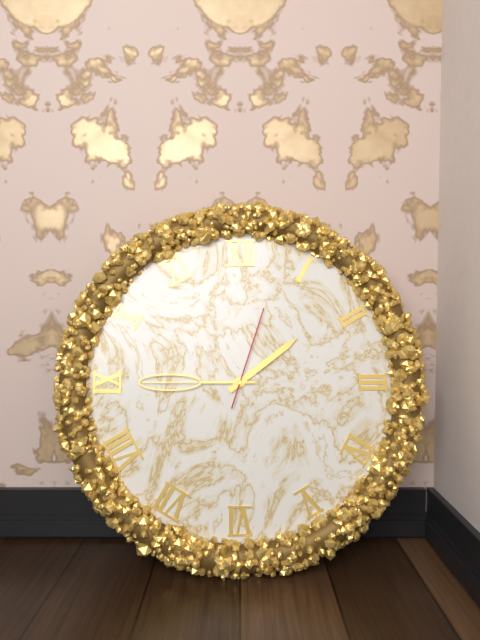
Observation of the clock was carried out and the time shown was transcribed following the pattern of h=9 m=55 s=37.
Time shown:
h=1 m=45 s=3
